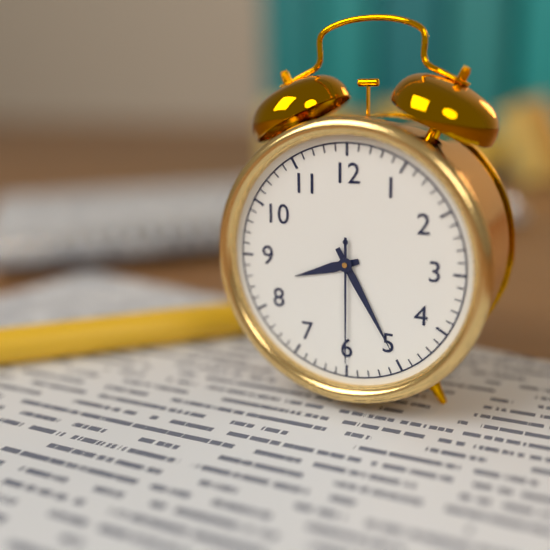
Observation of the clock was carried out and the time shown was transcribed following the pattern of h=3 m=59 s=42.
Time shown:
h=8 m=25 s=30
